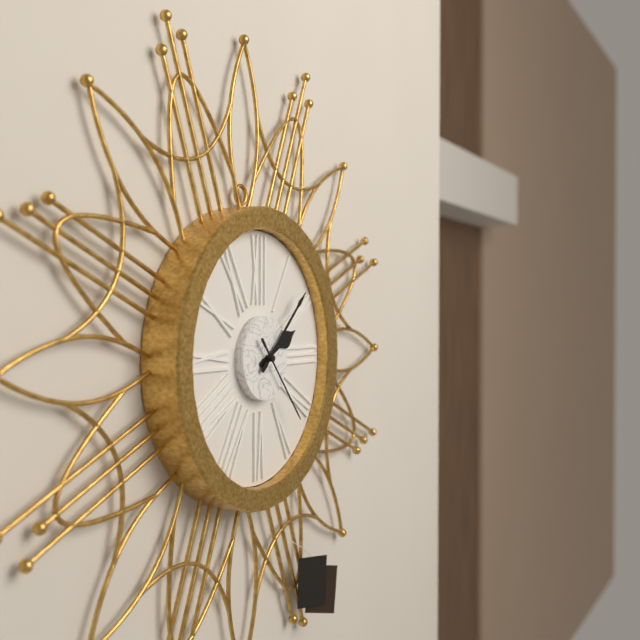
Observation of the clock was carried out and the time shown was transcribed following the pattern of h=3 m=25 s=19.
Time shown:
h=2 m=8 s=23
